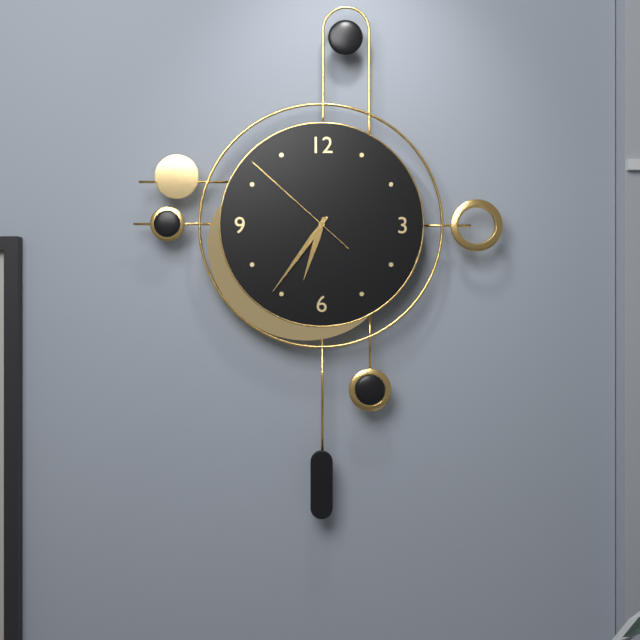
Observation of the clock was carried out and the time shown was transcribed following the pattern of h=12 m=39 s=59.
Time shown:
h=6 m=36 s=52
